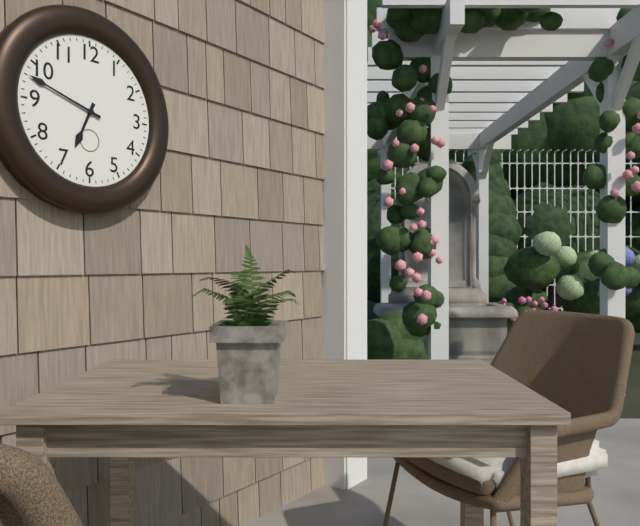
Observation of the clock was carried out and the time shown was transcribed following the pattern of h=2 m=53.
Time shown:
h=6 m=48
